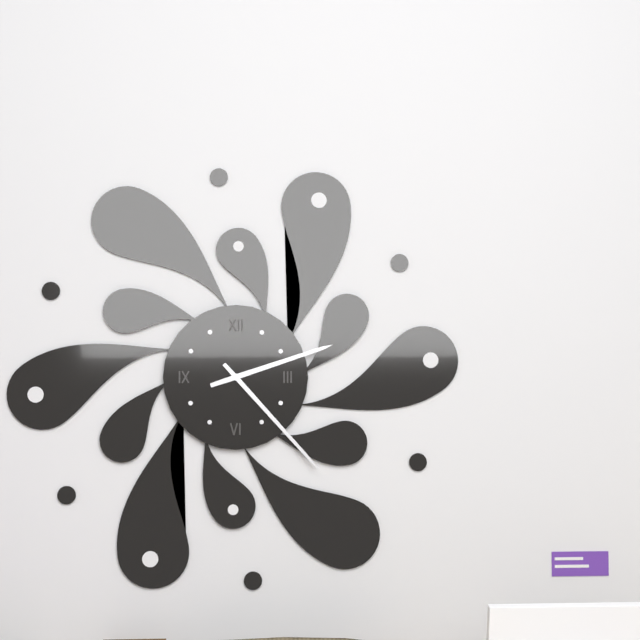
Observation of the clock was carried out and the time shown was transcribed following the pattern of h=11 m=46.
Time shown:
h=2 m=23
